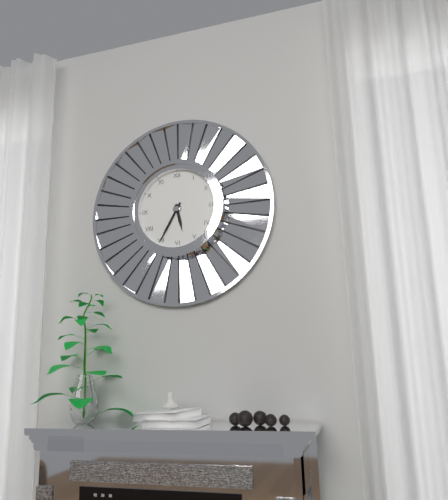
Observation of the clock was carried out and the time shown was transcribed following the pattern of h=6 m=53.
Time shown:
h=5 m=35
